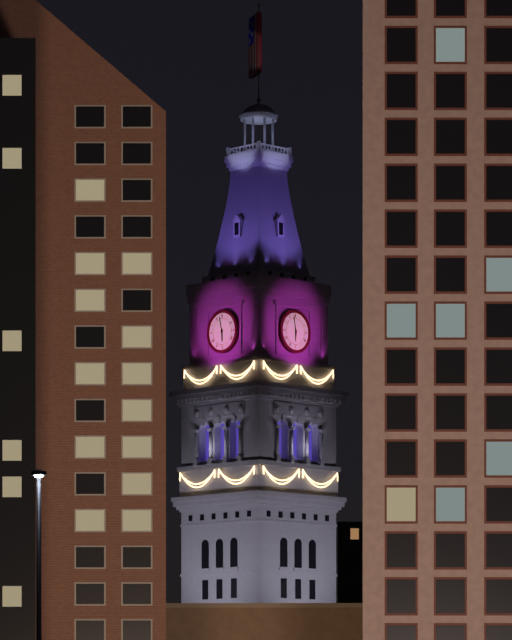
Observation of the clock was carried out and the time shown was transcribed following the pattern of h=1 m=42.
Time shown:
h=5 m=58
